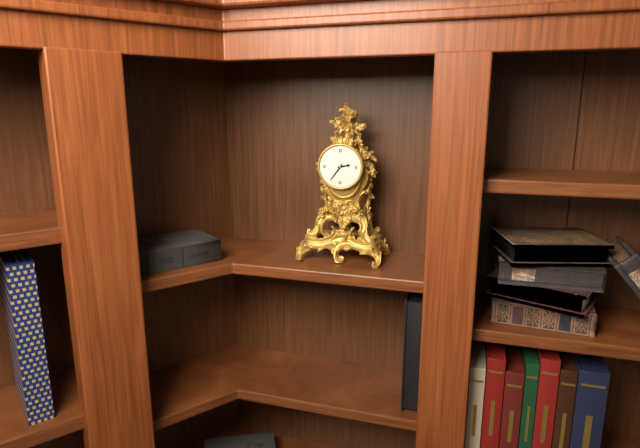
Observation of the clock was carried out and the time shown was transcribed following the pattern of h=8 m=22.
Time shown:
h=2 m=36
